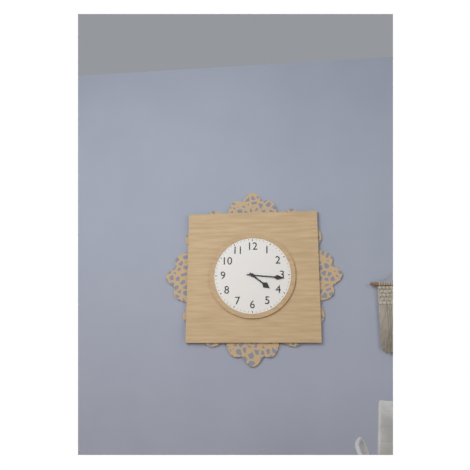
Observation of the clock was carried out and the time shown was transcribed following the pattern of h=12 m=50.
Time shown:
h=4 m=16
